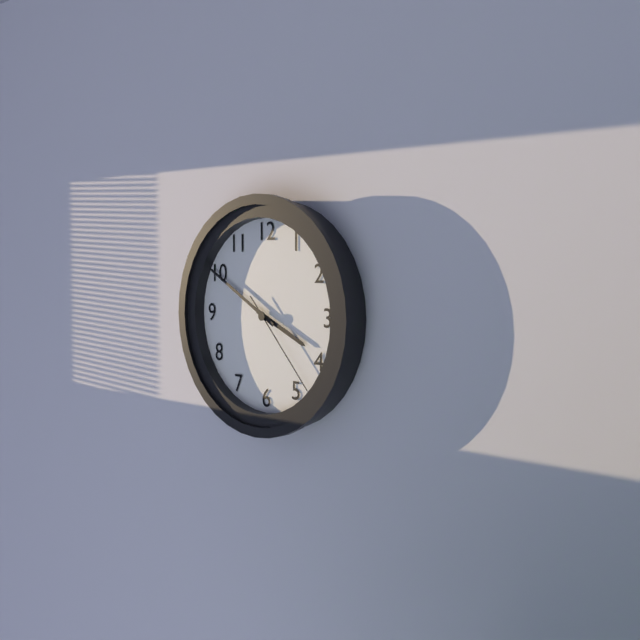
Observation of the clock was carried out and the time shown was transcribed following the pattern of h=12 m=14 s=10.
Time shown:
h=3 m=50 s=23
